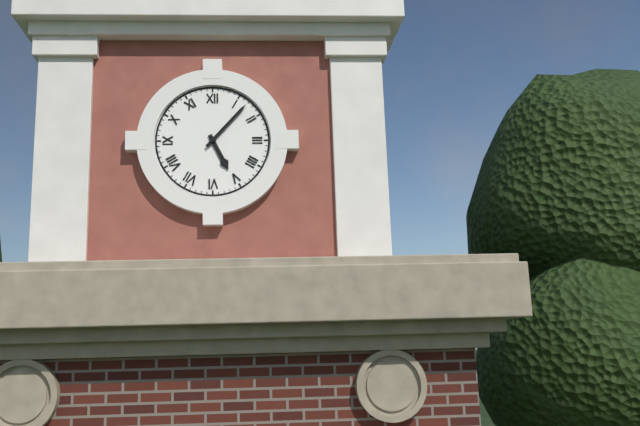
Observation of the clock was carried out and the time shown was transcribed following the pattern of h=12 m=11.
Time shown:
h=5 m=7
